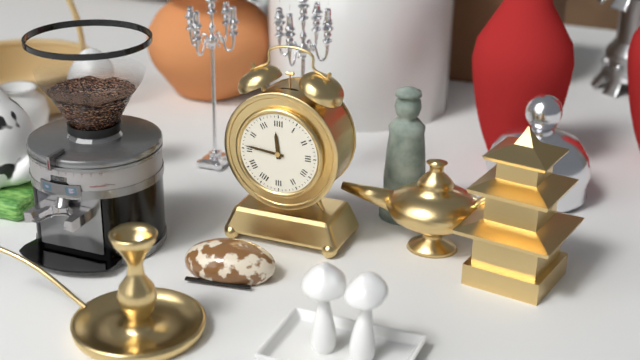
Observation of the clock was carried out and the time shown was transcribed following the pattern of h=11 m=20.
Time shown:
h=11 m=46
